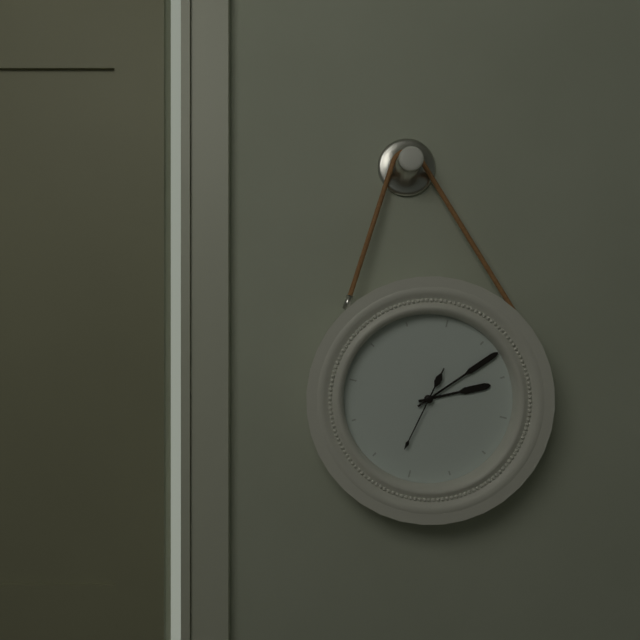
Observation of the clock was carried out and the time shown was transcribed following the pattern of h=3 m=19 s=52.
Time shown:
h=2 m=7 s=32
